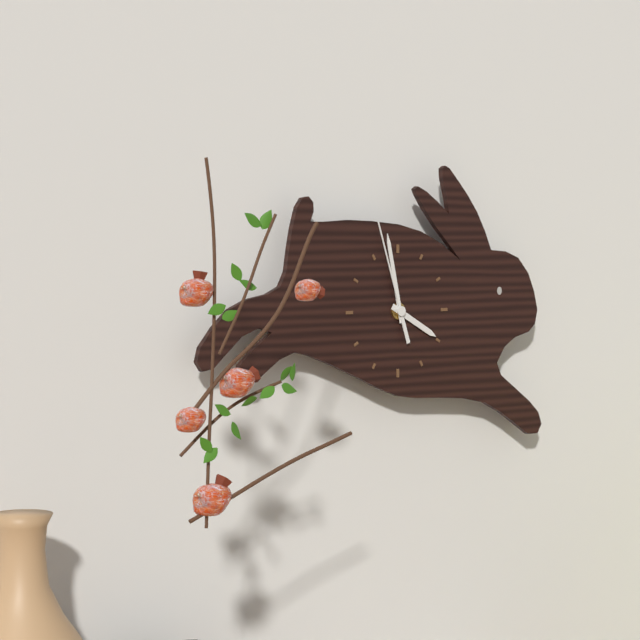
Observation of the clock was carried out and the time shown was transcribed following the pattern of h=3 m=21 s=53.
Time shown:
h=3 m=58 s=57
